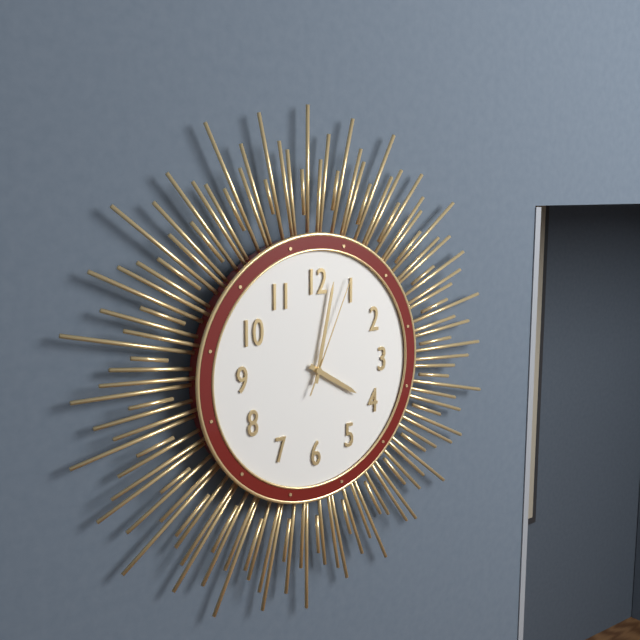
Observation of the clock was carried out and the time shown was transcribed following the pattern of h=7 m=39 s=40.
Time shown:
h=4 m=2 s=4
